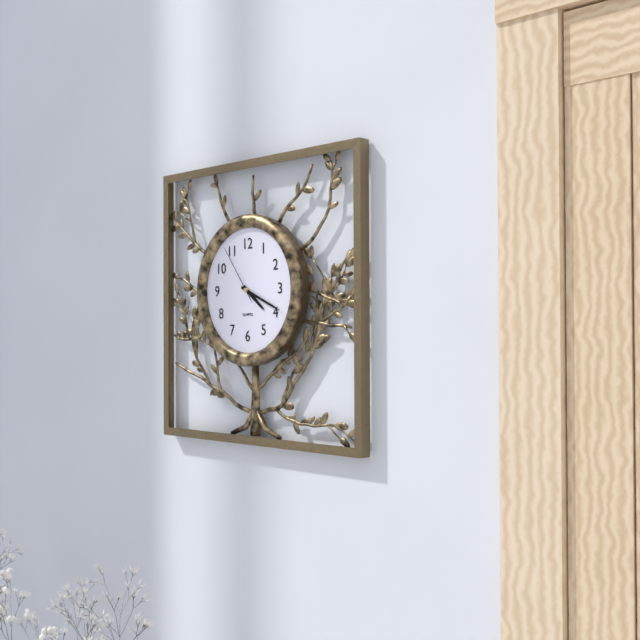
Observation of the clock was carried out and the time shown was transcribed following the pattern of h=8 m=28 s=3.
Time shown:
h=4 m=19 s=54
